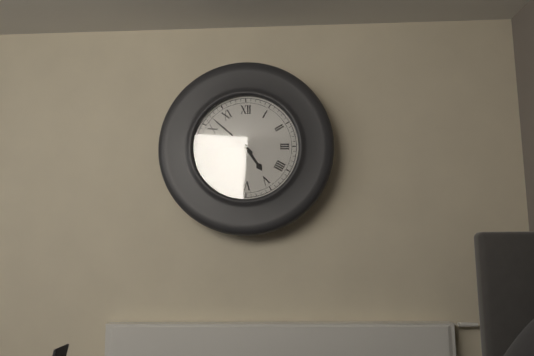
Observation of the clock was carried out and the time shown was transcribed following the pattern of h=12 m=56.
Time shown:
h=4 m=52
